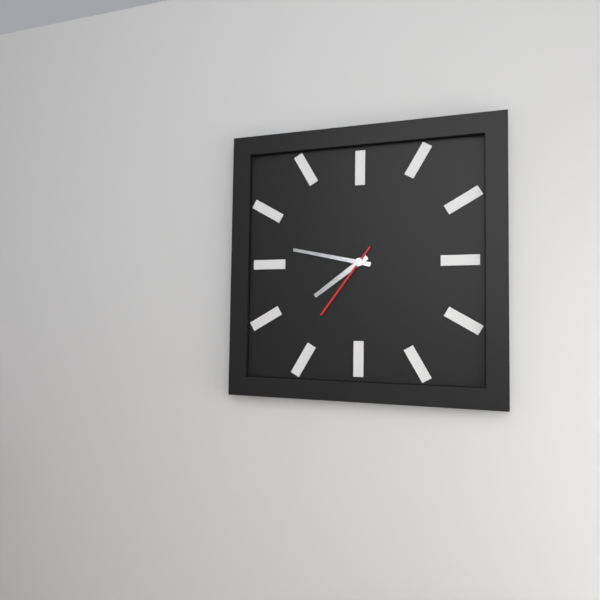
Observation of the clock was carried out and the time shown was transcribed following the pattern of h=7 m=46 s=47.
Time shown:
h=7 m=47 s=36
